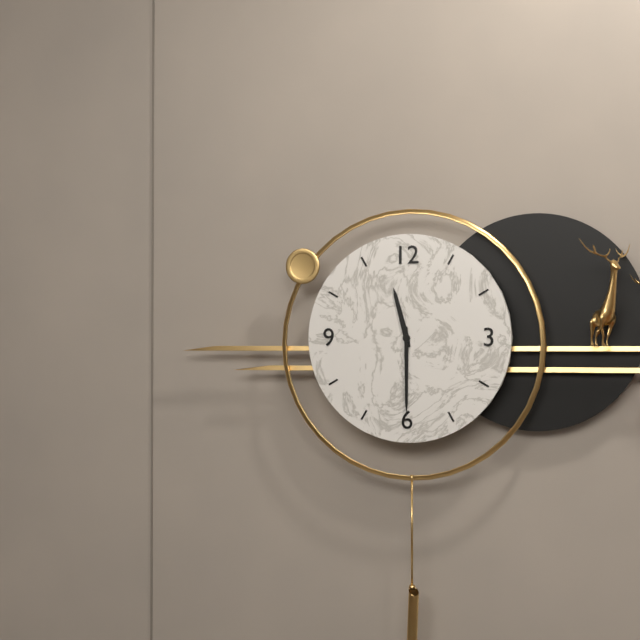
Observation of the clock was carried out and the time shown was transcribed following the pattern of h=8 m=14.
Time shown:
h=11 m=30
